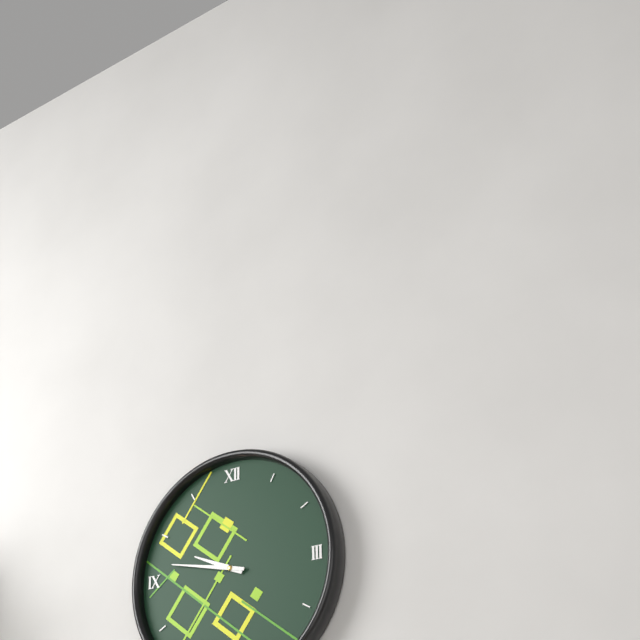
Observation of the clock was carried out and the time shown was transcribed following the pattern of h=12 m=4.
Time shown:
h=9 m=47
